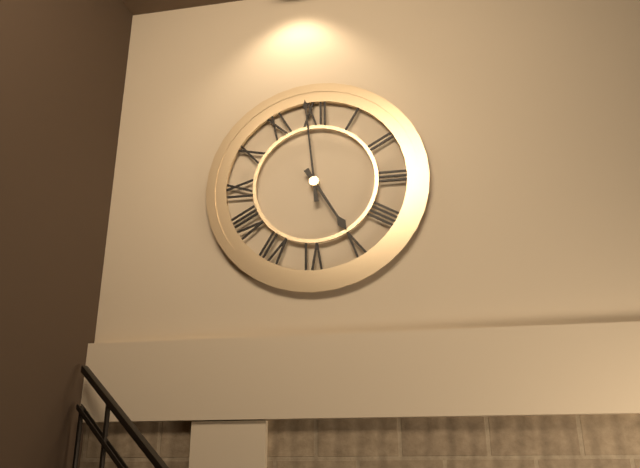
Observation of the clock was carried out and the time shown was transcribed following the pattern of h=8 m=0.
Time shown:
h=4 m=59
